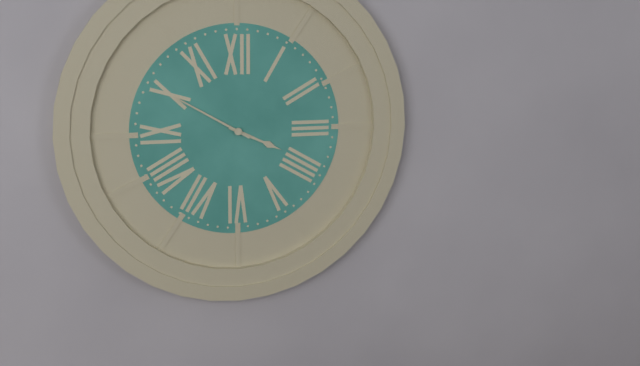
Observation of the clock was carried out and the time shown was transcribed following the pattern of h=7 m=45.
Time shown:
h=3 m=50
